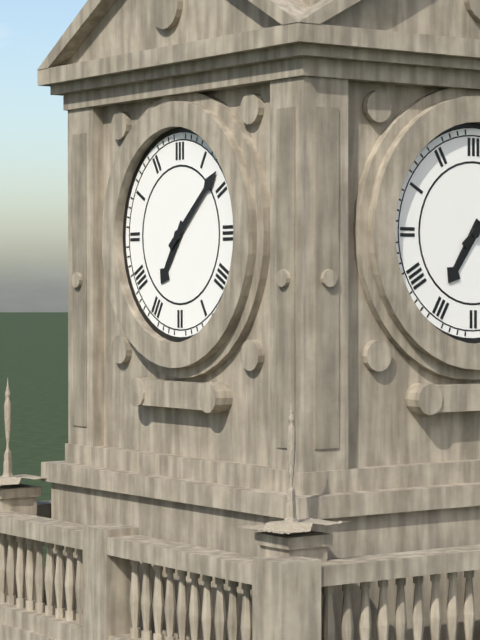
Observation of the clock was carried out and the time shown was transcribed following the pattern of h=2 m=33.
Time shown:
h=7 m=8
